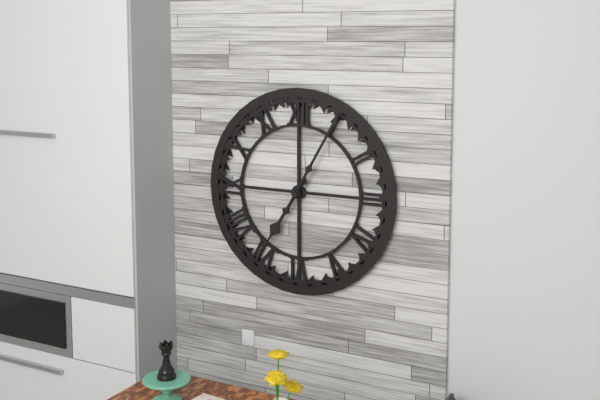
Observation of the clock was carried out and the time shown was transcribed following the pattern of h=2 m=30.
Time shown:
h=7 m=5
